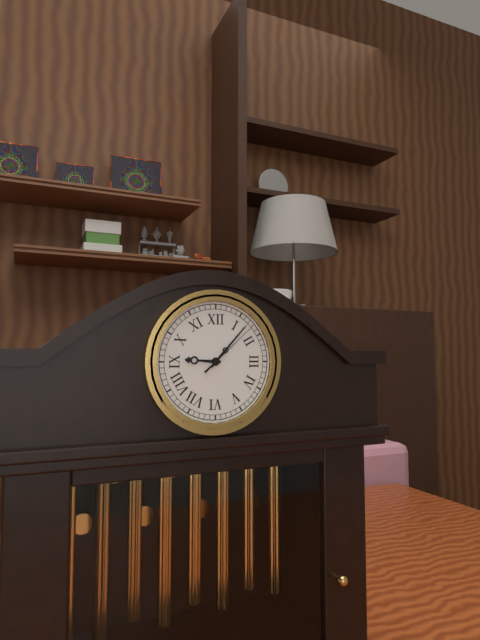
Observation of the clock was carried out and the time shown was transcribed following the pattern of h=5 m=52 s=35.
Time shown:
h=9 m=7 s=8
